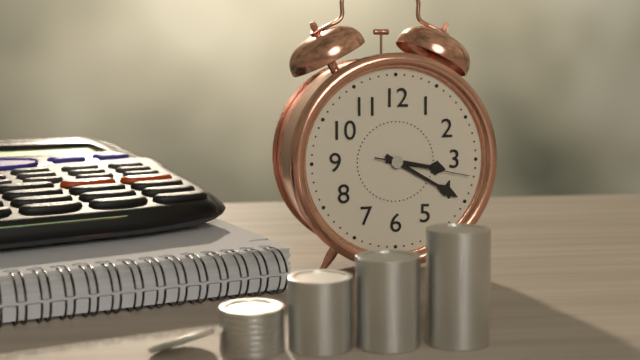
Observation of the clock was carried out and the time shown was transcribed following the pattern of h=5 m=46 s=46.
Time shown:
h=3 m=20 s=17
